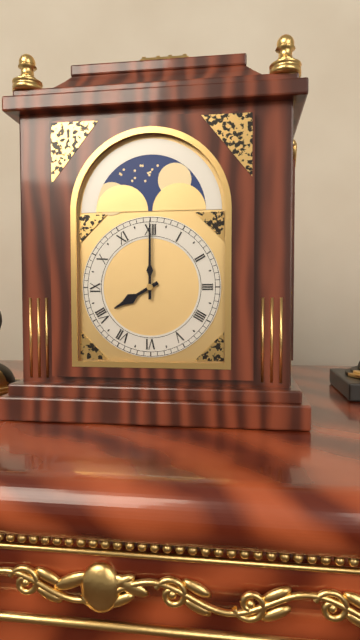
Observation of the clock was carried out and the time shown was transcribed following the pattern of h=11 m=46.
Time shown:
h=8 m=0
